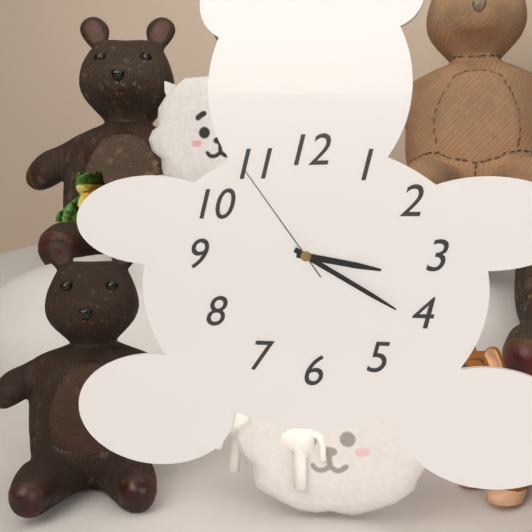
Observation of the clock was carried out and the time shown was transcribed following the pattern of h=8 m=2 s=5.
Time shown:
h=3 m=20 s=54
